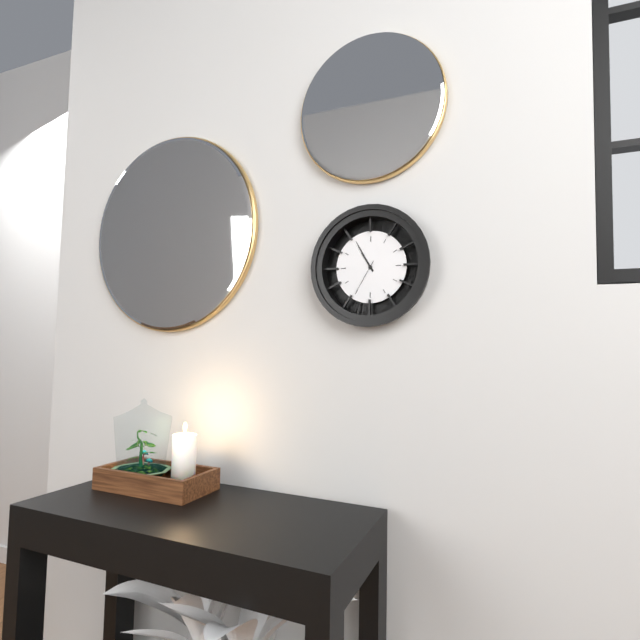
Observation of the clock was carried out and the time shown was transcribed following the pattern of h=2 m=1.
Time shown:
h=10 m=55
